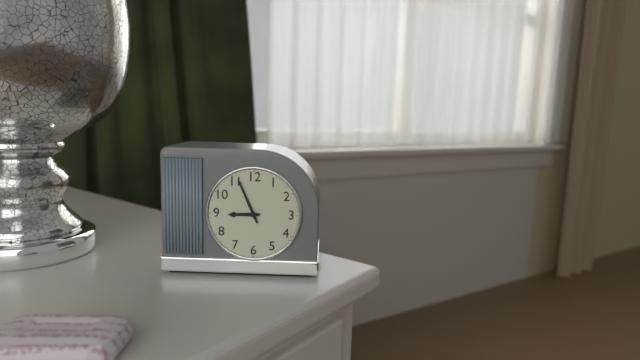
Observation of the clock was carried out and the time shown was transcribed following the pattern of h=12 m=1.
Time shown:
h=8 m=56
